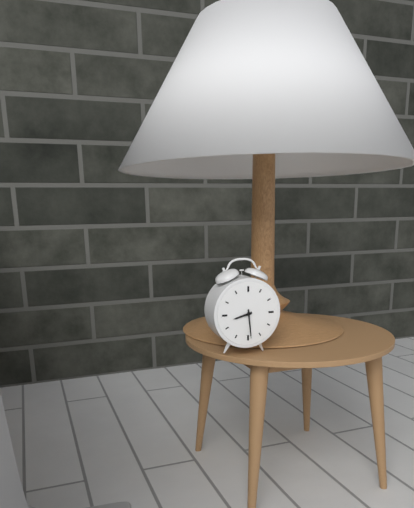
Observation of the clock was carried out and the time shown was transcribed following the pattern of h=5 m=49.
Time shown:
h=8 m=29
